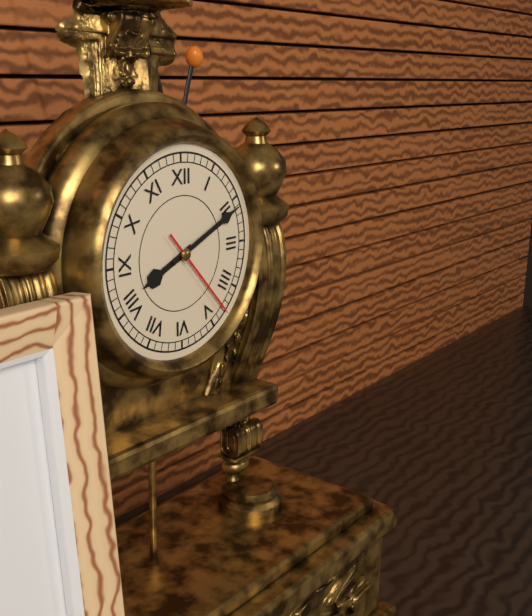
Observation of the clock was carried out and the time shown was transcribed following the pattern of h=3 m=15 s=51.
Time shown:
h=8 m=11 s=23
